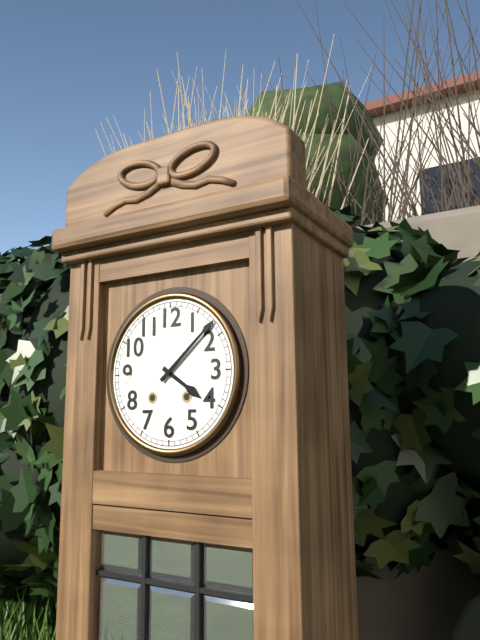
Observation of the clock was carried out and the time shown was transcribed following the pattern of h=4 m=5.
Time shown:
h=4 m=8
